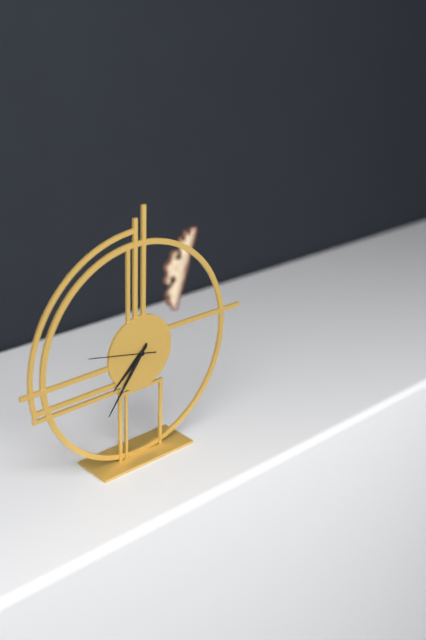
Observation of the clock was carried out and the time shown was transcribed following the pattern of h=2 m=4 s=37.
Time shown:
h=7 m=36 s=47
